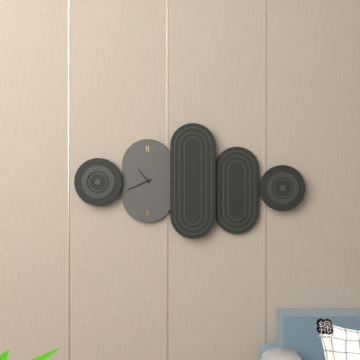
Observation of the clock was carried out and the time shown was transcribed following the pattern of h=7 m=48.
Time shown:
h=10 m=41
